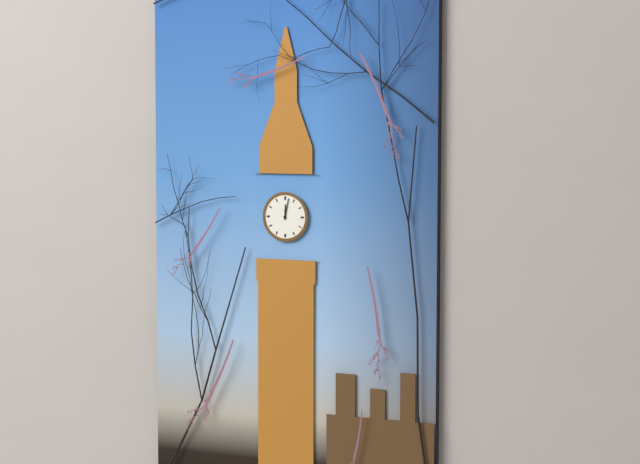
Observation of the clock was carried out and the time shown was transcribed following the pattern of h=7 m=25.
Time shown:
h=12 m=2
